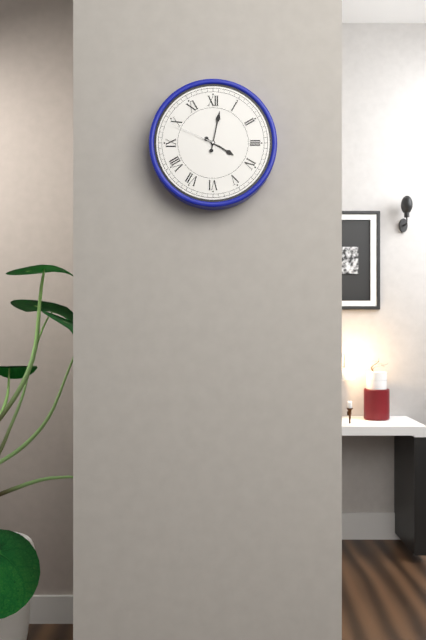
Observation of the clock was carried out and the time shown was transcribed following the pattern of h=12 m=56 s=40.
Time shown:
h=4 m=2 s=49
